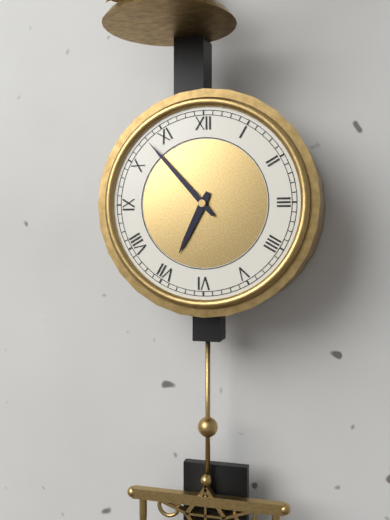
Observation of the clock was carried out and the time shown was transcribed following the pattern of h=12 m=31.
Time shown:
h=6 m=53
